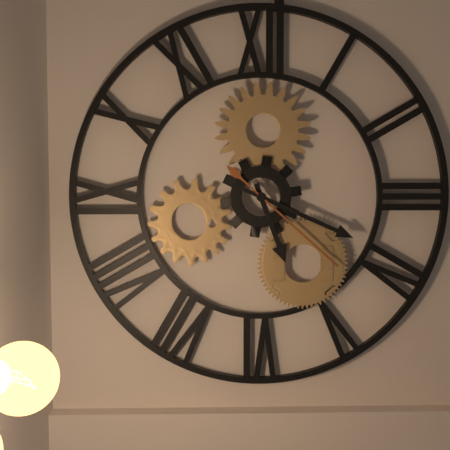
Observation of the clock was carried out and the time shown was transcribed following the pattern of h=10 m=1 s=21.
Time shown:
h=5 m=19 s=22
